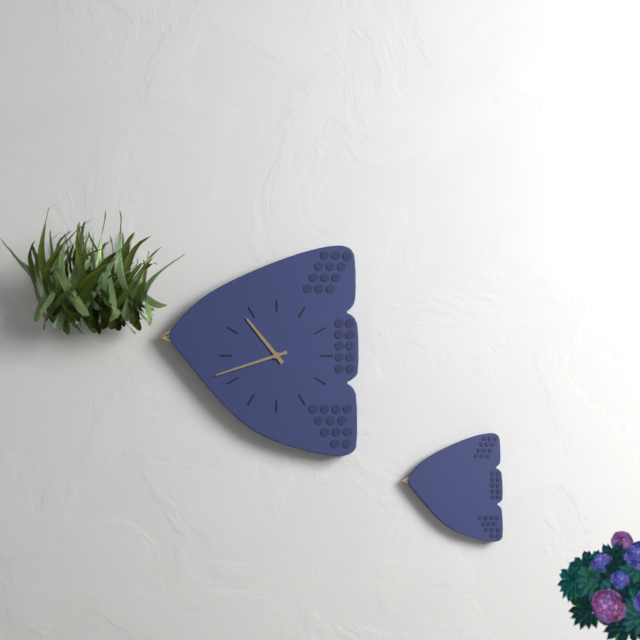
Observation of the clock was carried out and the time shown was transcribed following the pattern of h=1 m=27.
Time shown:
h=10 m=42
